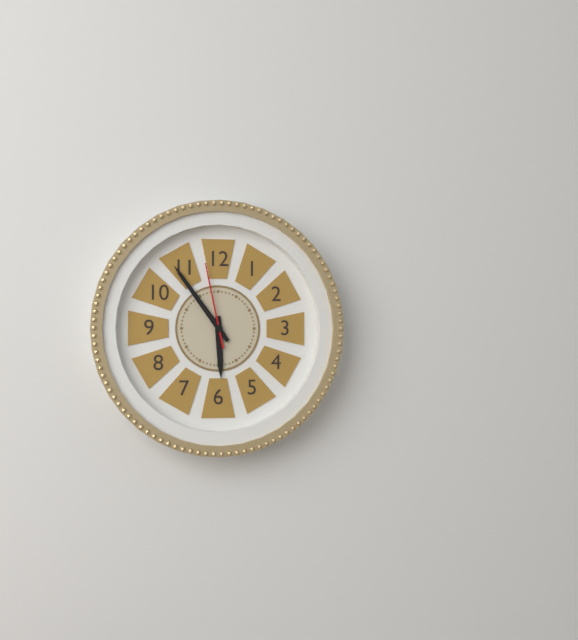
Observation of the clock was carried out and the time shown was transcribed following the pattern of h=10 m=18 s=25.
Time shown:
h=5 m=54 s=58
